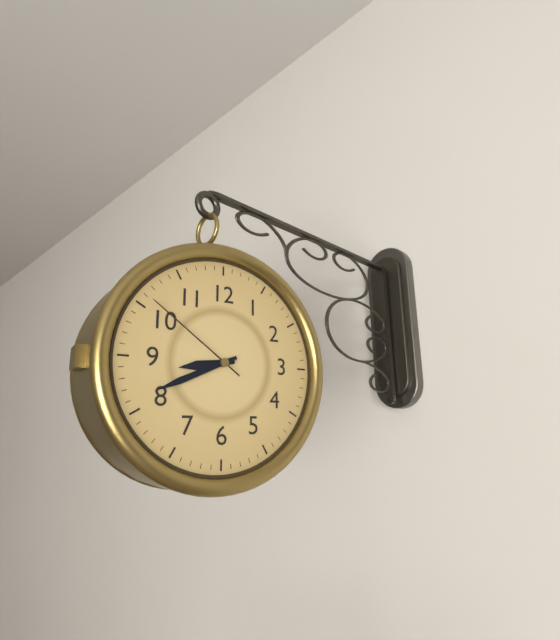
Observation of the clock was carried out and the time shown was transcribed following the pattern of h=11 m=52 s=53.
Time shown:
h=8 m=41 s=51
